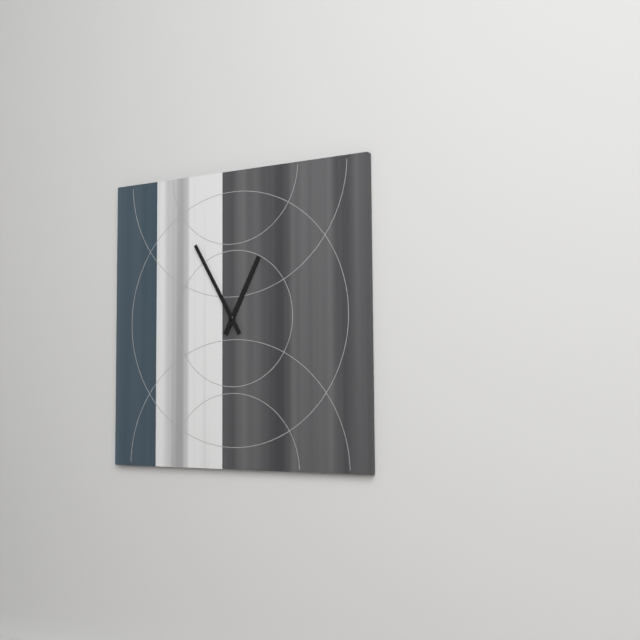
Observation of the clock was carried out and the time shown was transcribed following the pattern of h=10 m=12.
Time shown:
h=12 m=55
